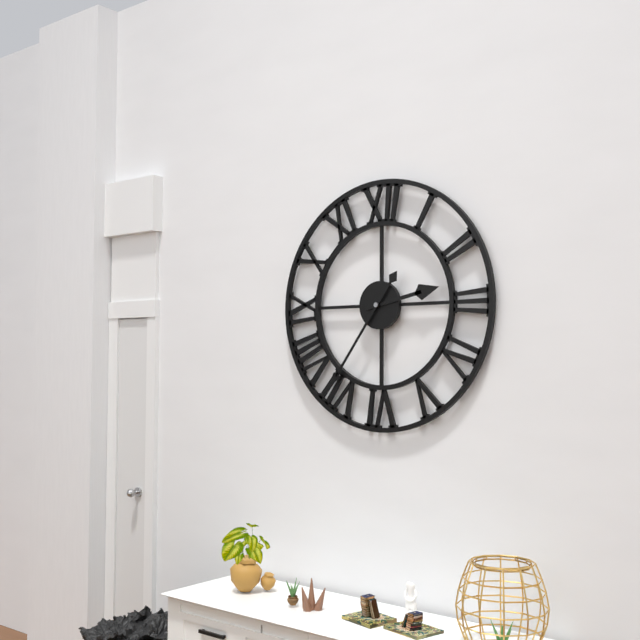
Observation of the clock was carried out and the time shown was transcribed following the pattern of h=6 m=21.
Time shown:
h=2 m=36
